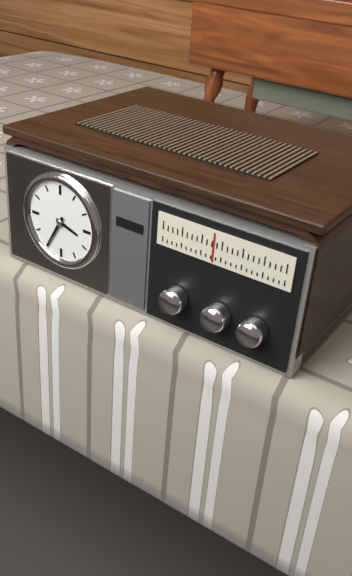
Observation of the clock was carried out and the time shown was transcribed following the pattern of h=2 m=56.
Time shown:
h=3 m=35
